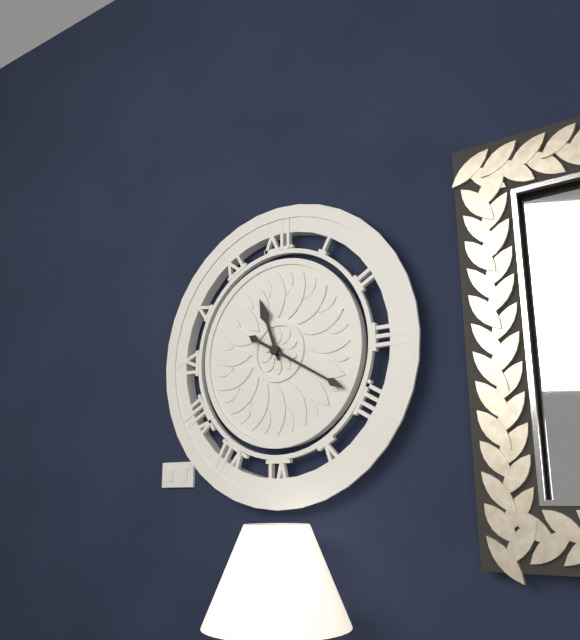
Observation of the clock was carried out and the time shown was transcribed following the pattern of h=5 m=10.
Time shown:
h=11 m=20
